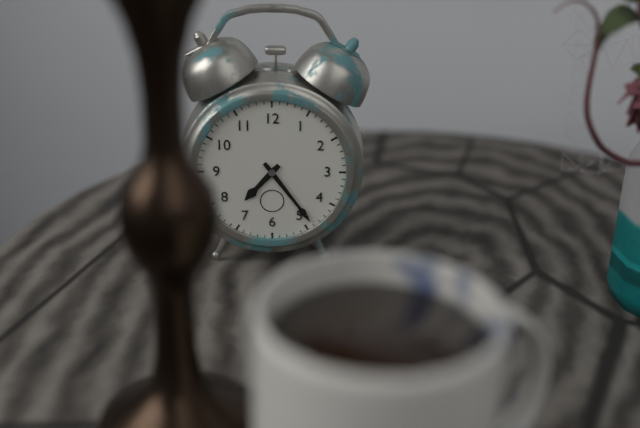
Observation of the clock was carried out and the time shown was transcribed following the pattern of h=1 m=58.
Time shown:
h=7 m=24
